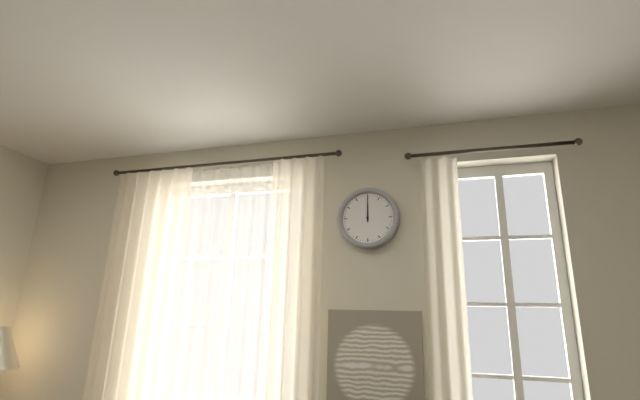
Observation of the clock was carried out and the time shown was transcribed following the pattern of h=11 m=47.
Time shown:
h=12 m=0
